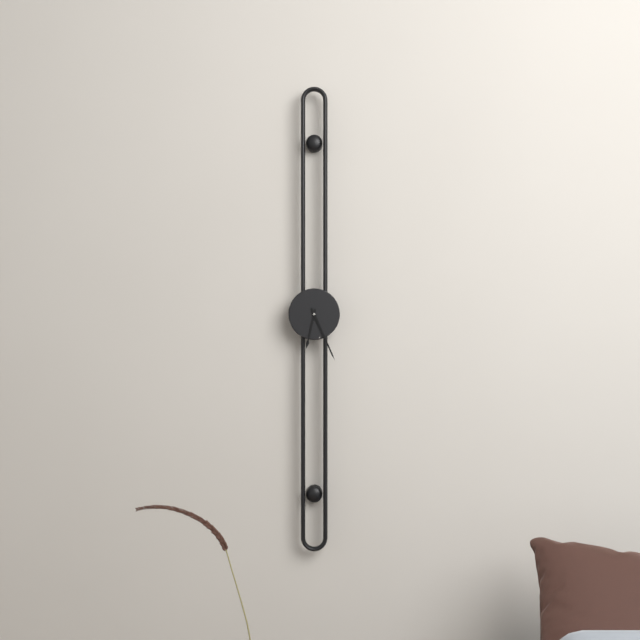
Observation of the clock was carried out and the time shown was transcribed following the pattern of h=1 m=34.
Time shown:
h=6 m=26
